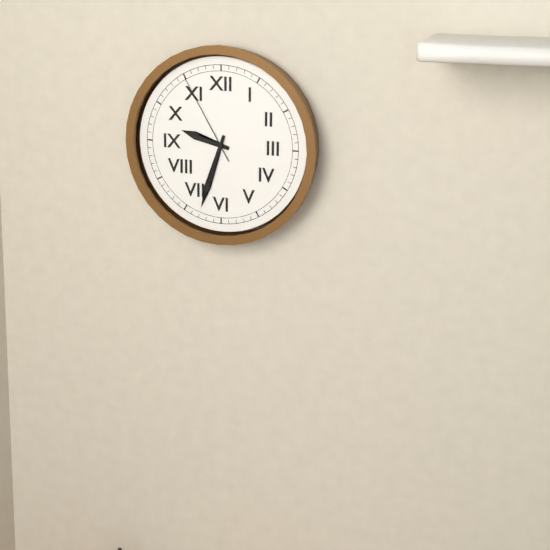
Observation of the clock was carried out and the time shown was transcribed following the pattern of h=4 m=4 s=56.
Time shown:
h=9 m=33 s=55
